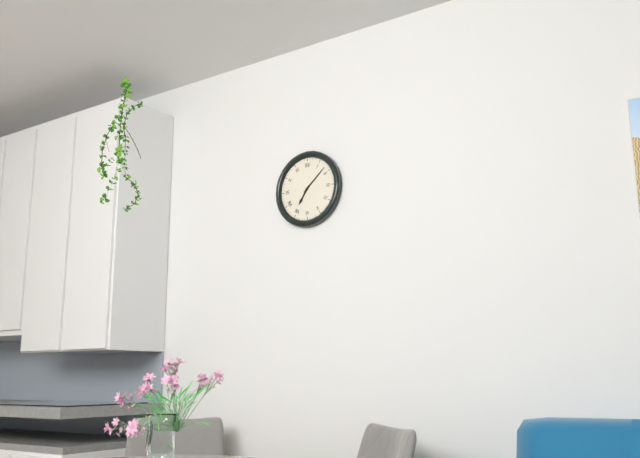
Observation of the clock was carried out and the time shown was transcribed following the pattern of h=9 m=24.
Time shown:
h=7 m=8
